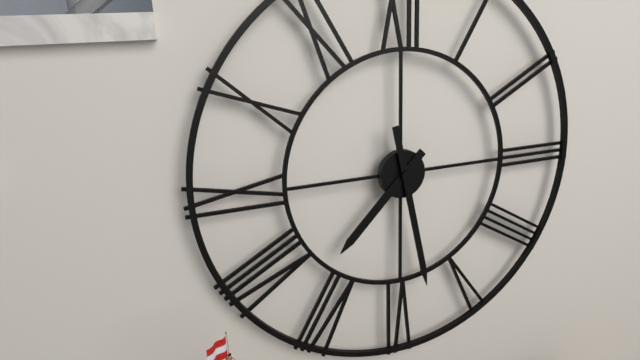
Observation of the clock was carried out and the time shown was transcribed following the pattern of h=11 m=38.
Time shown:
h=7 m=28
